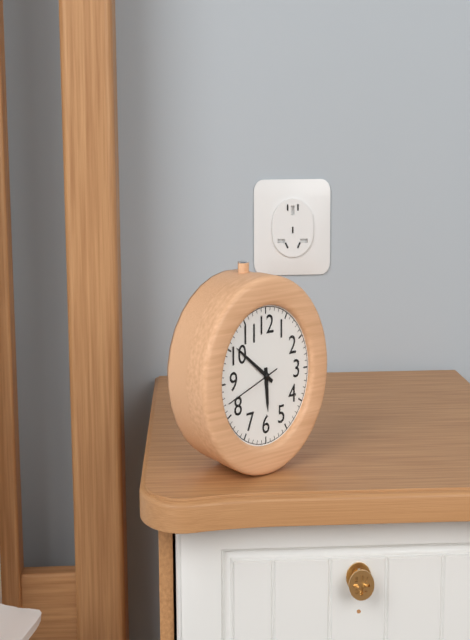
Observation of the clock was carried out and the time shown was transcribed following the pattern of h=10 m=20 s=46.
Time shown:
h=5 m=51 s=42
